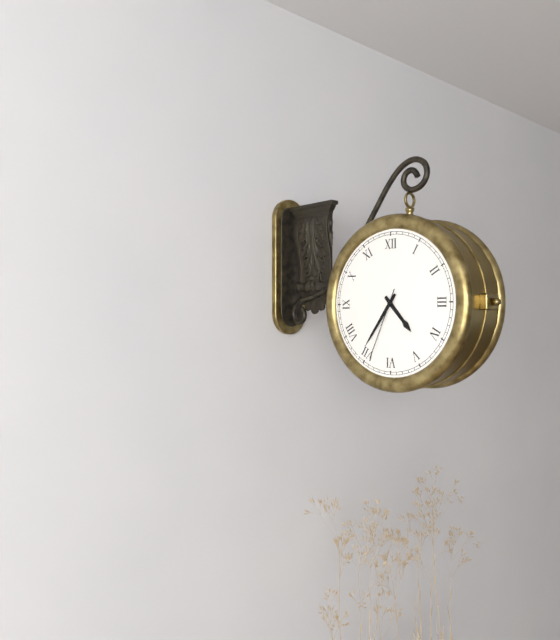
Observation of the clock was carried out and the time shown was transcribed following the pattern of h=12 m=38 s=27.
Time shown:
h=4 m=36 s=34
